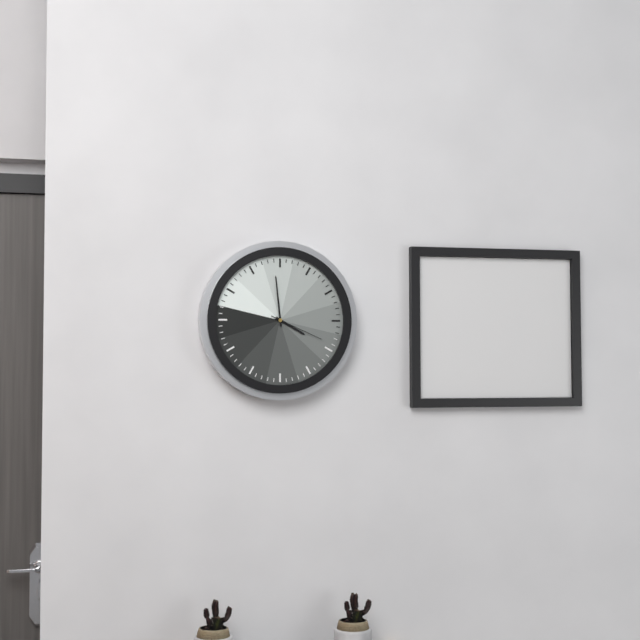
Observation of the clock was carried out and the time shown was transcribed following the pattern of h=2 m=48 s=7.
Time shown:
h=3 m=59 s=19
